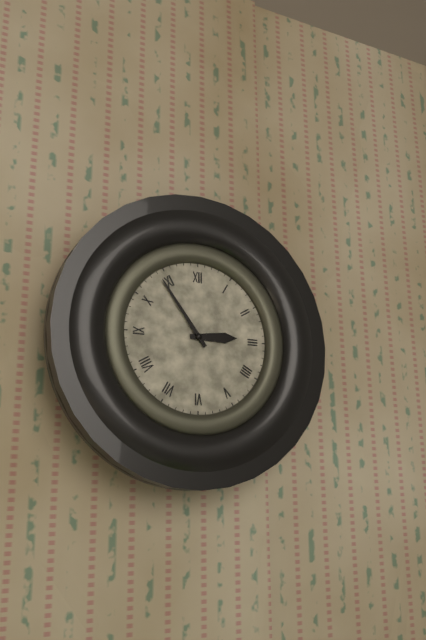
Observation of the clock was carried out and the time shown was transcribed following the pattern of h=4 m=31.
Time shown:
h=2 m=54
